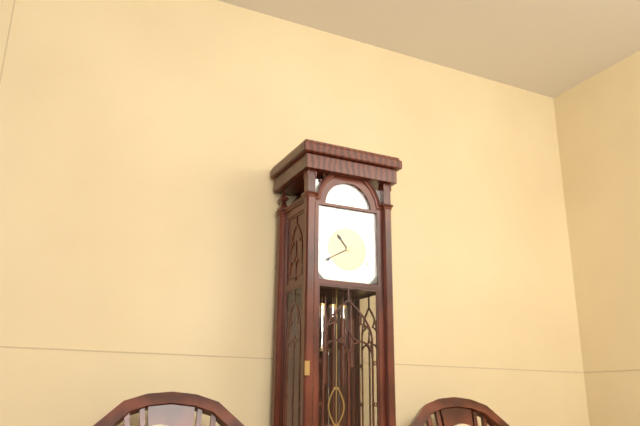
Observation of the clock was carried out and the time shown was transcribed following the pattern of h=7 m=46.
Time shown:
h=10 m=40
